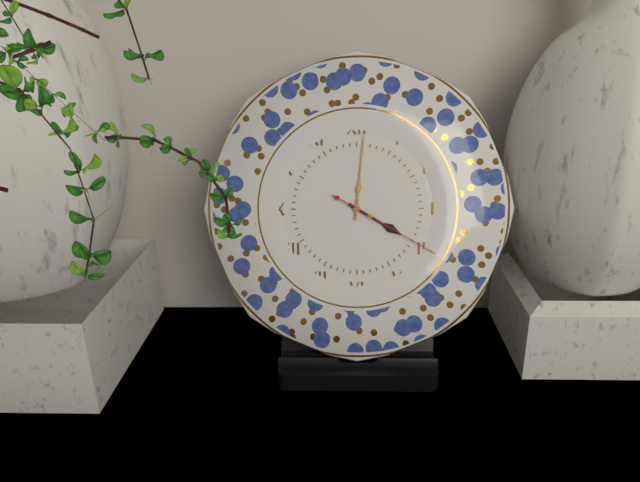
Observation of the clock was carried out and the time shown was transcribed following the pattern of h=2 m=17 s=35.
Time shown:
h=4 m=1 s=20
